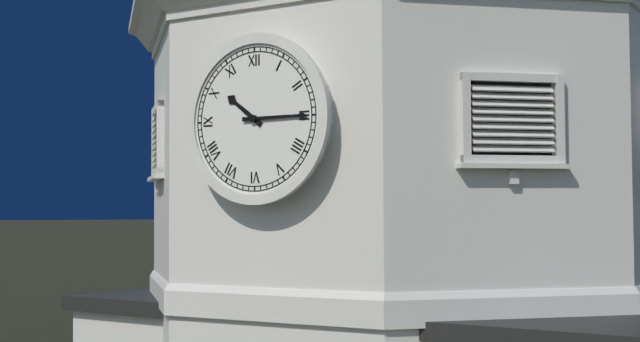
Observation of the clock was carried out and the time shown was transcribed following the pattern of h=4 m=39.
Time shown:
h=10 m=15
